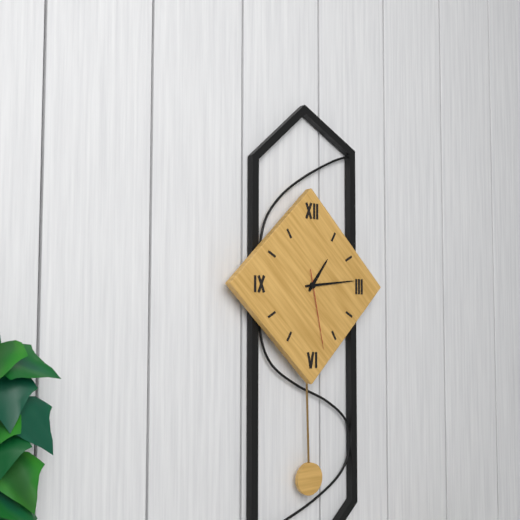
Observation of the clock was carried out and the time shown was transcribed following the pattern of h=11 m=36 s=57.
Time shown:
h=1 m=14 s=28
